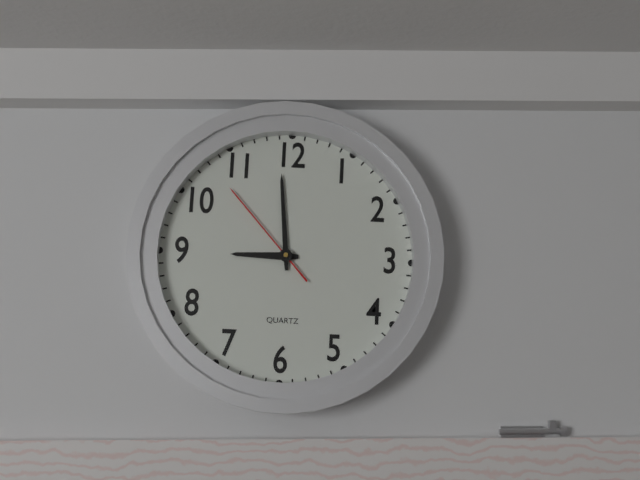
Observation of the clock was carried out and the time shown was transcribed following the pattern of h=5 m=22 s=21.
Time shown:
h=8 m=59 s=53
